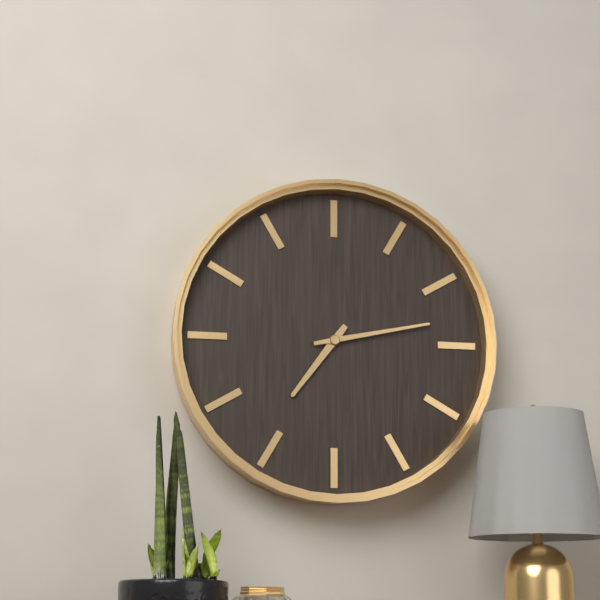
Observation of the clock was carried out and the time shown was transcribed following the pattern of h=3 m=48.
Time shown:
h=7 m=13
